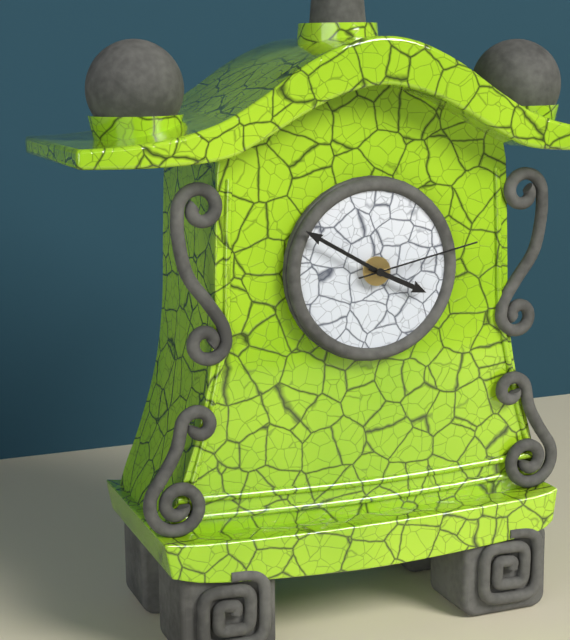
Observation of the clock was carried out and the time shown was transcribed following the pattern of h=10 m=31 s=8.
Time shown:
h=3 m=50 s=13
